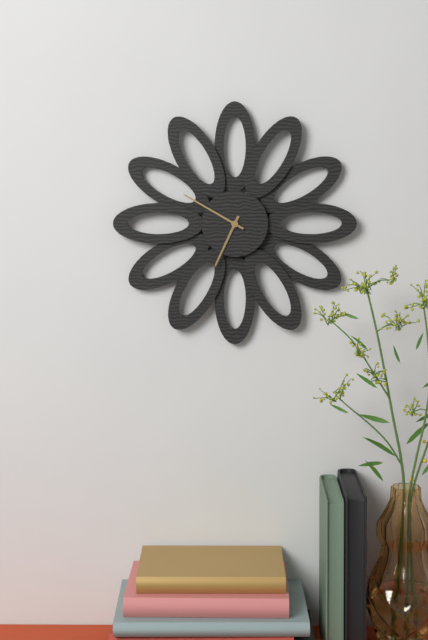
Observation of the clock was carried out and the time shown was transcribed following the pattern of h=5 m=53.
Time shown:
h=6 m=50
